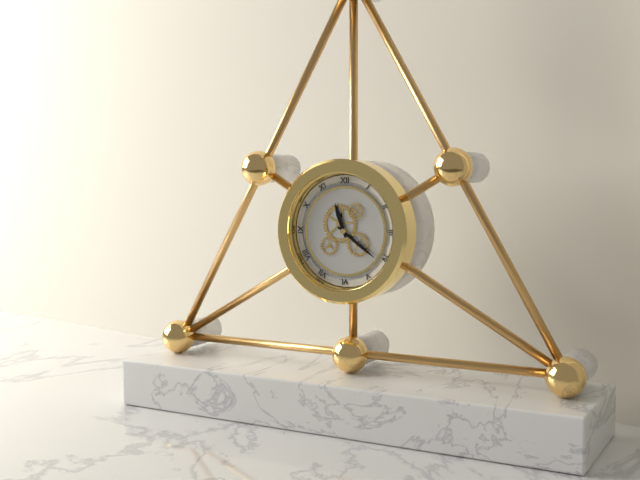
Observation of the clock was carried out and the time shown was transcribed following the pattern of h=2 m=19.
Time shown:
h=11 m=21
